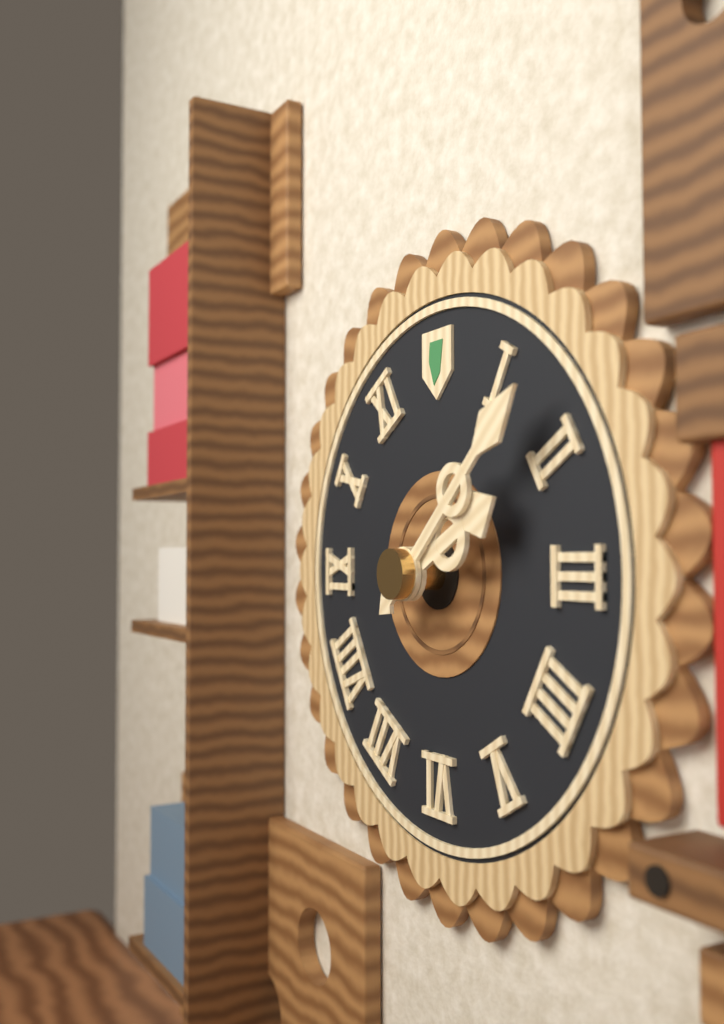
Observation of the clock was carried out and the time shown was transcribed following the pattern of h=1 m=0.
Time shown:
h=2 m=8
